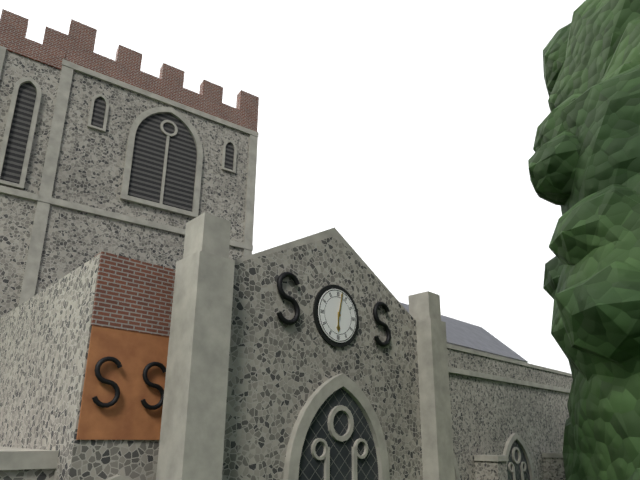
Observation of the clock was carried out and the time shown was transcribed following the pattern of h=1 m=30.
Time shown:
h=6 m=2
